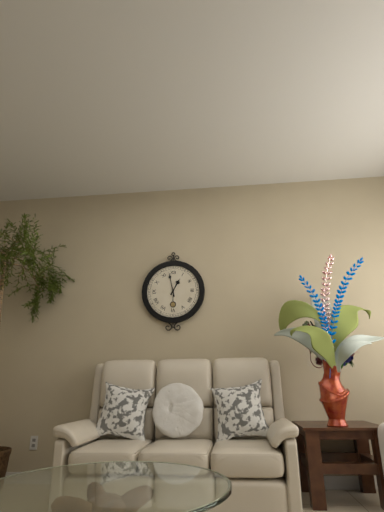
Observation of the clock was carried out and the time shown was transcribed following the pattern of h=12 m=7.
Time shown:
h=12 m=58
